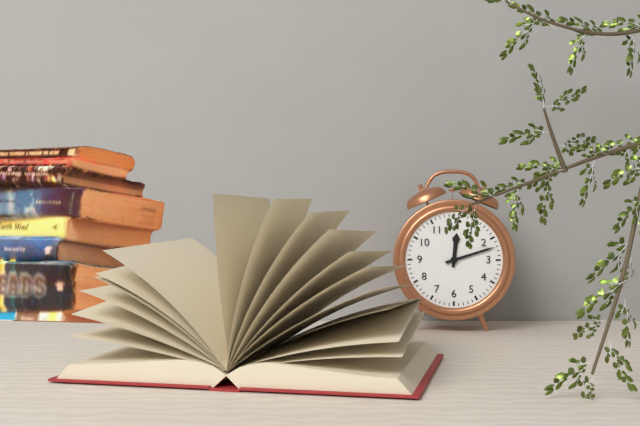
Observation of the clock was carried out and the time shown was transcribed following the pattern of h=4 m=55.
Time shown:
h=12 m=12
